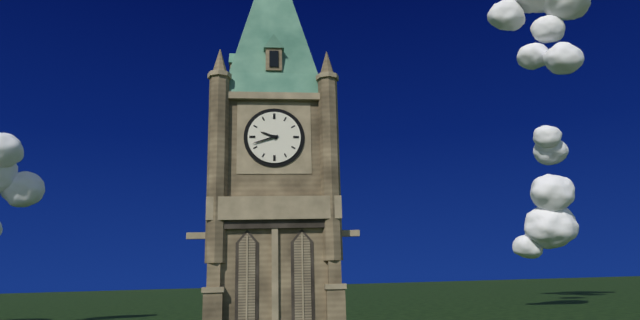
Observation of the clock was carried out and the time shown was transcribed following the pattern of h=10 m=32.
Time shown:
h=9 m=42
